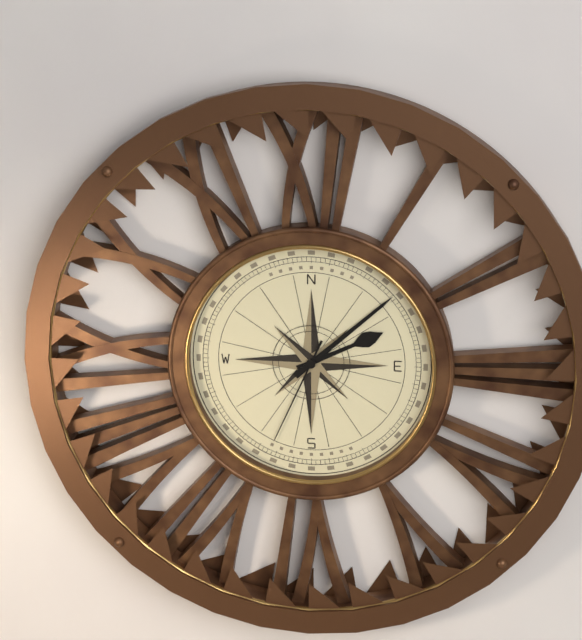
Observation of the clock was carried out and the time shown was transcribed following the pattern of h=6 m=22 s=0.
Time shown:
h=2 m=8 s=34
